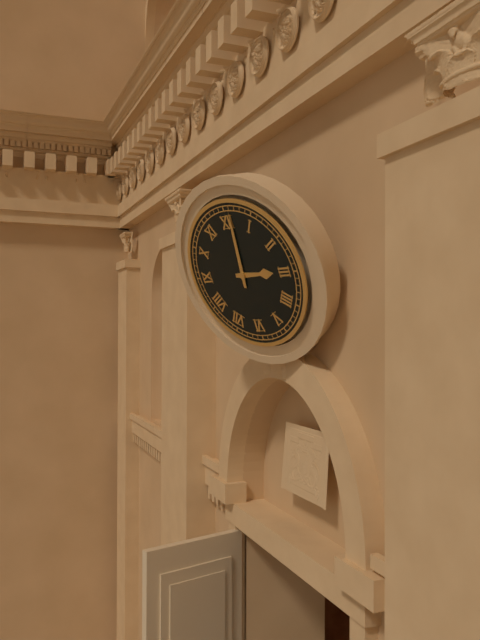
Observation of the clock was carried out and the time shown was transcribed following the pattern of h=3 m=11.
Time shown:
h=3 m=1
